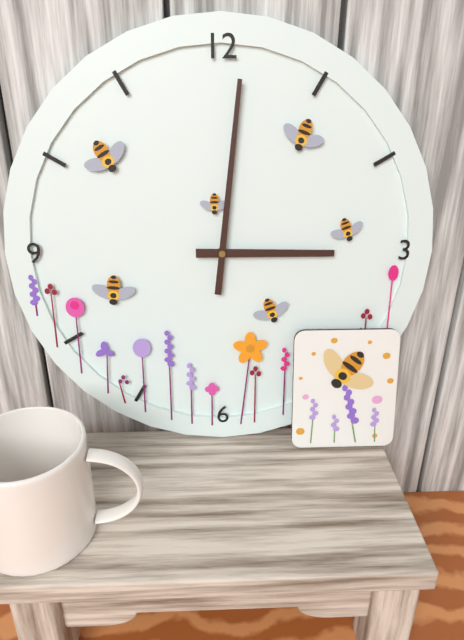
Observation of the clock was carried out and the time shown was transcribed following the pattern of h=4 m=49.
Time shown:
h=3 m=1
